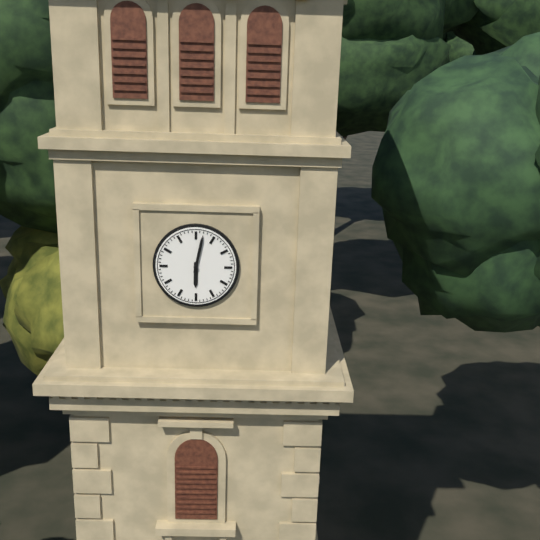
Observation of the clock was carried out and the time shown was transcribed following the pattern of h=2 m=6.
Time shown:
h=6 m=2
